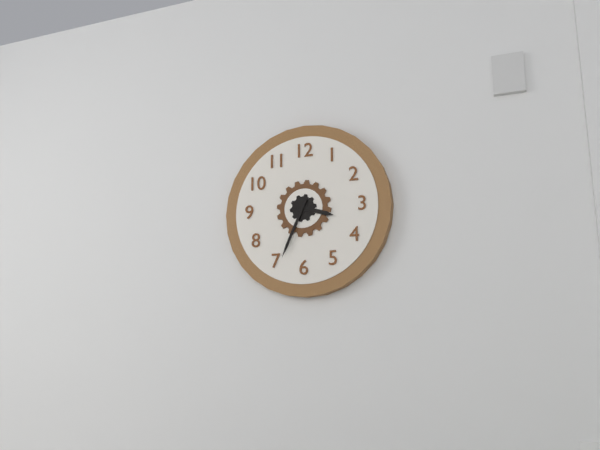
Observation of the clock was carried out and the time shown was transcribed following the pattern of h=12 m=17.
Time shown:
h=3 m=34
